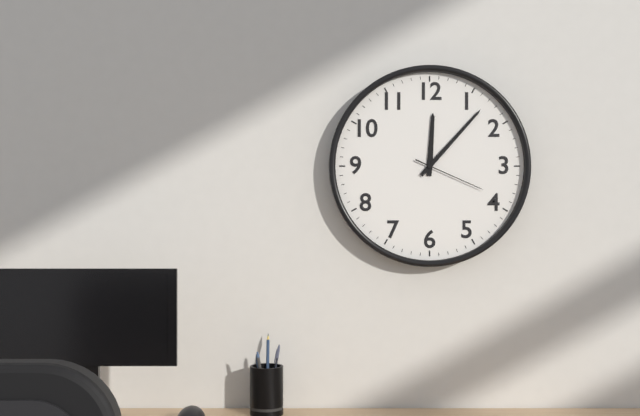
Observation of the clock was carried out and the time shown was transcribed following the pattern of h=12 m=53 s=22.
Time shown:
h=12 m=7 s=19
